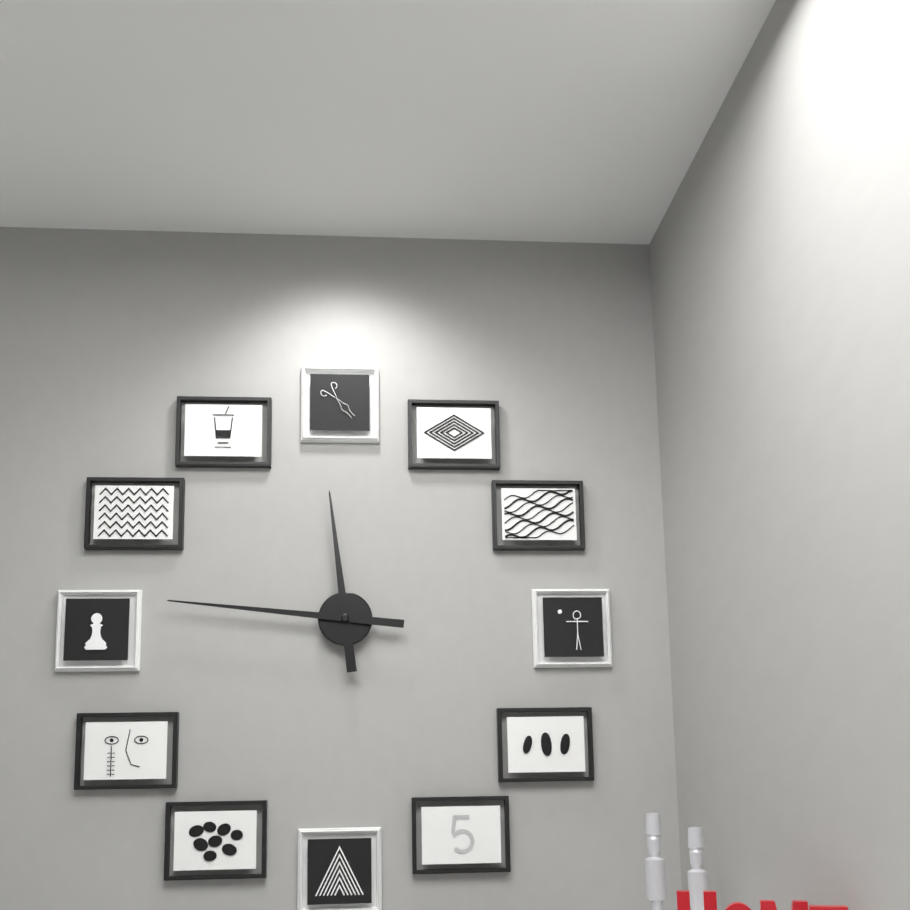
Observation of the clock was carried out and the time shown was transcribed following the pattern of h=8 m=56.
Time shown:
h=11 m=46
